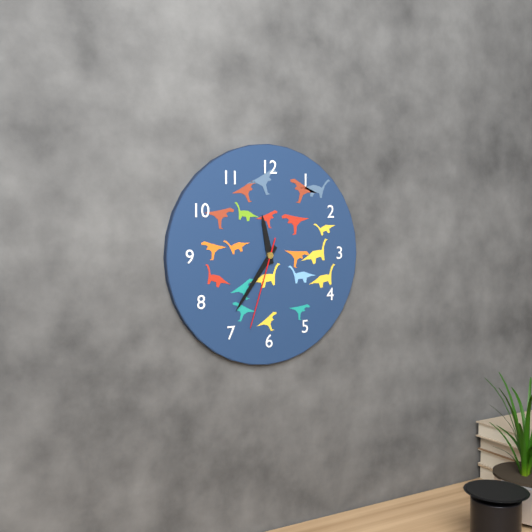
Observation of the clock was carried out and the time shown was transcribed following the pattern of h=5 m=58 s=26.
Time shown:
h=11 m=36 s=33
